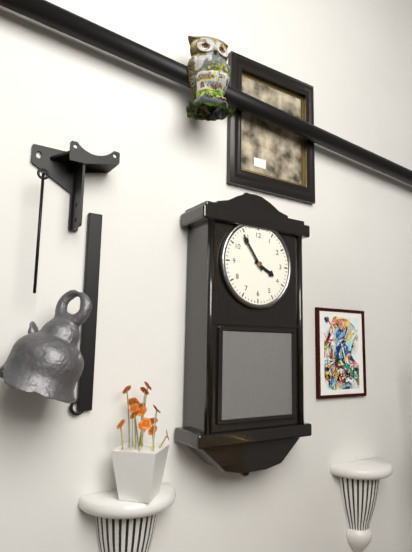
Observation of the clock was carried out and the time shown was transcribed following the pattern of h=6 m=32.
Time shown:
h=3 m=54
